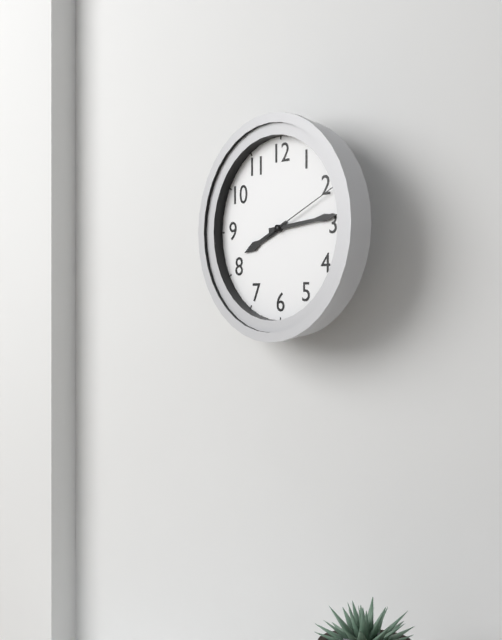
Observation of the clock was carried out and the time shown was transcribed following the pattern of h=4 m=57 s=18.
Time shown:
h=8 m=14 s=11
